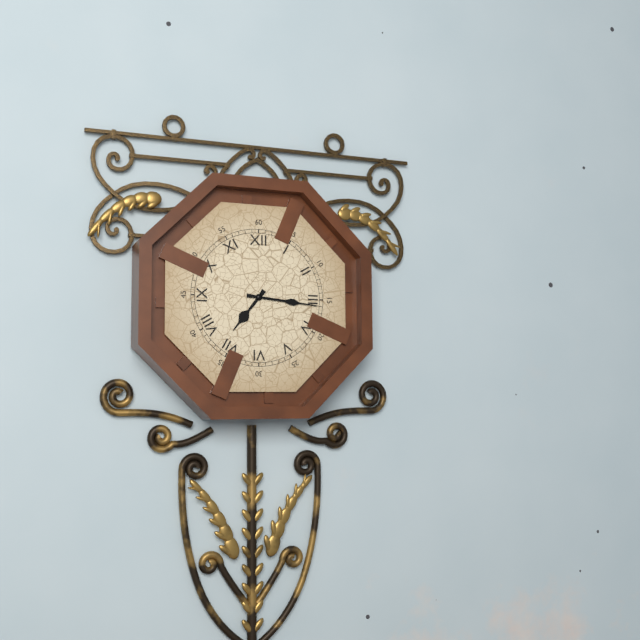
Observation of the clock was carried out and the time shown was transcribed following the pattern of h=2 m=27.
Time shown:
h=7 m=16
